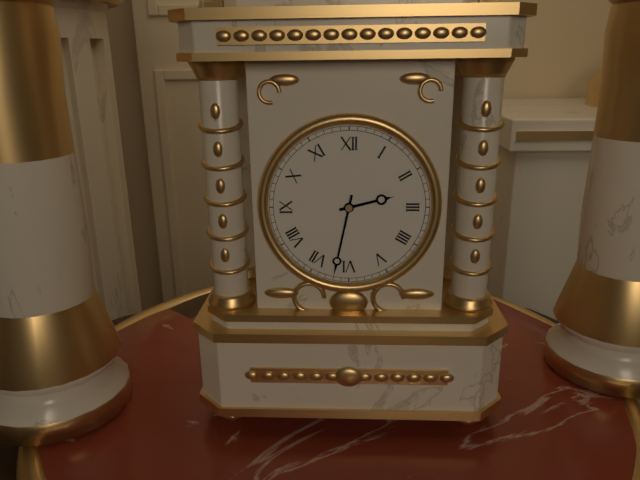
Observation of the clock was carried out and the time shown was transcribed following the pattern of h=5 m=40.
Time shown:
h=2 m=32
